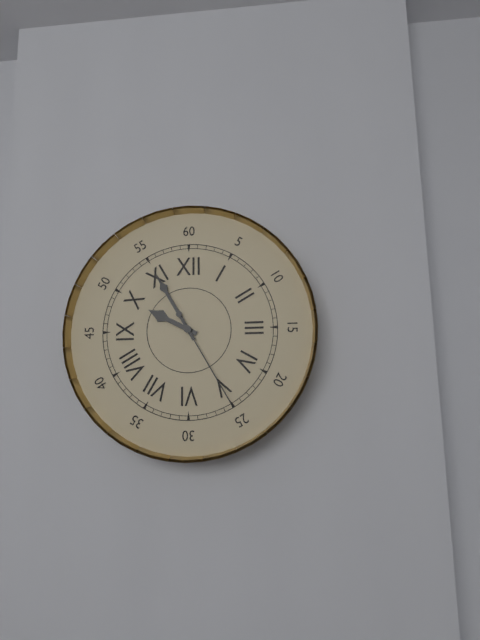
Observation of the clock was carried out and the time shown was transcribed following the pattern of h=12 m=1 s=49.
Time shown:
h=9 m=55 s=25
